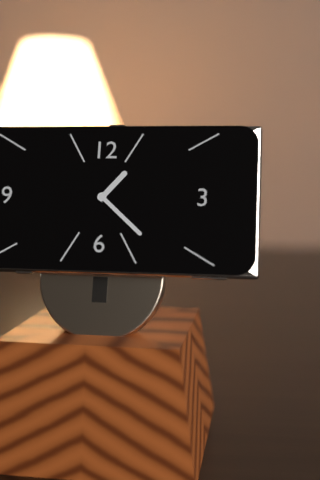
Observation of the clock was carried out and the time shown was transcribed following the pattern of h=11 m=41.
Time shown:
h=1 m=22
